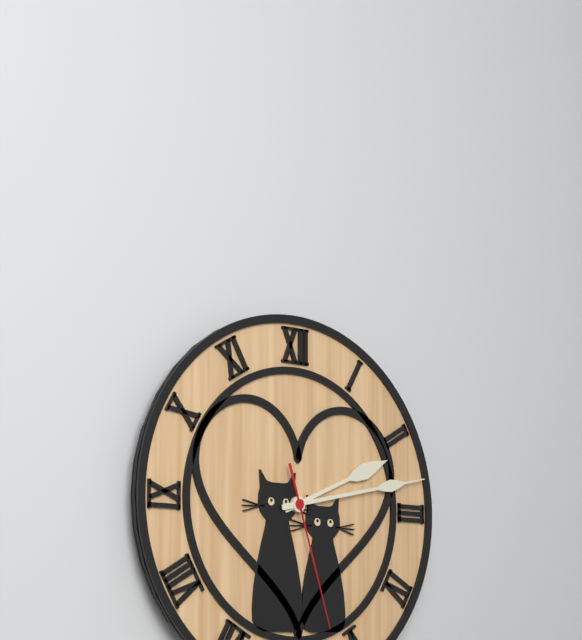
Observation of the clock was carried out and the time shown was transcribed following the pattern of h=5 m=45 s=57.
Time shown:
h=2 m=13 s=27
